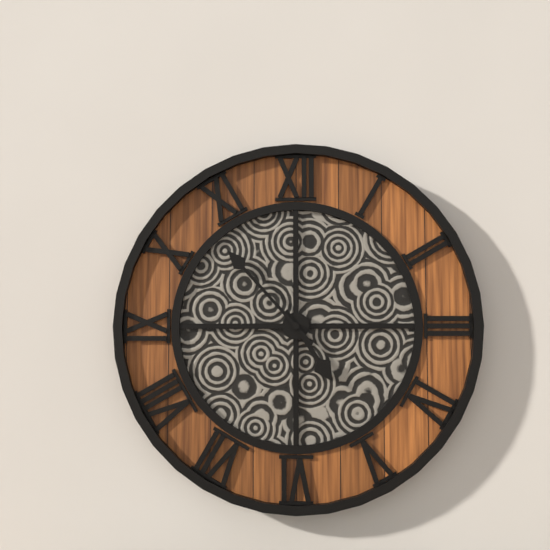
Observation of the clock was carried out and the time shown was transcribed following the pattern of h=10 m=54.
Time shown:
h=4 m=53
